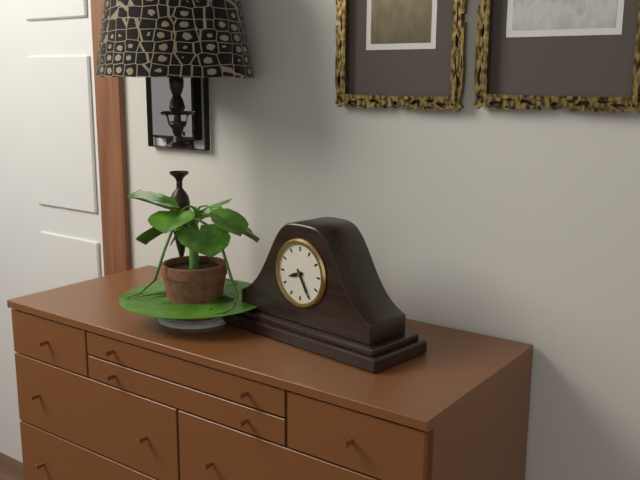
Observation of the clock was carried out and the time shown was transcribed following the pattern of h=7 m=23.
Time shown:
h=8 m=25
